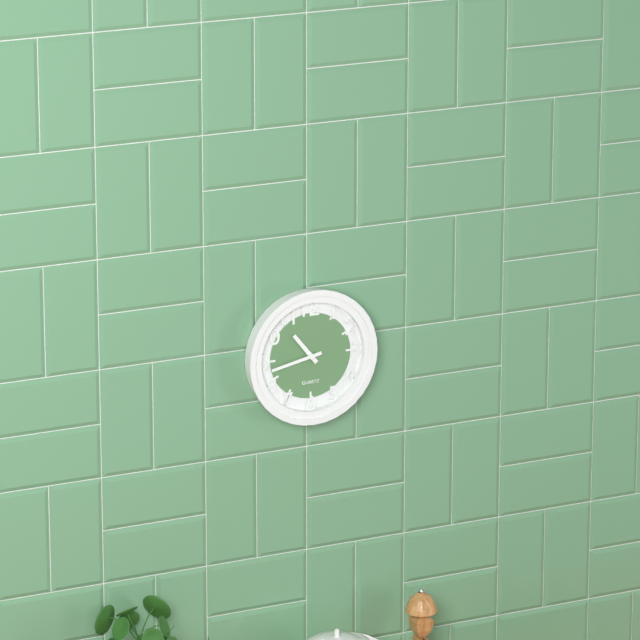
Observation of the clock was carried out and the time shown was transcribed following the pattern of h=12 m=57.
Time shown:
h=10 m=43
